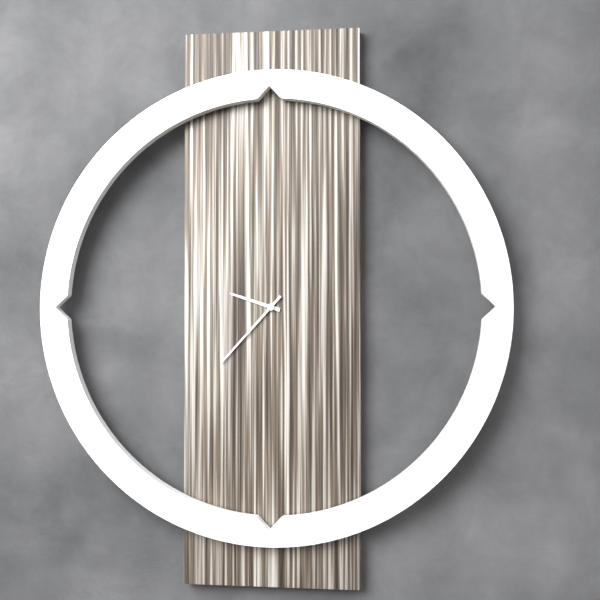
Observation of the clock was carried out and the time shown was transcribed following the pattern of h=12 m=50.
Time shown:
h=9 m=37
